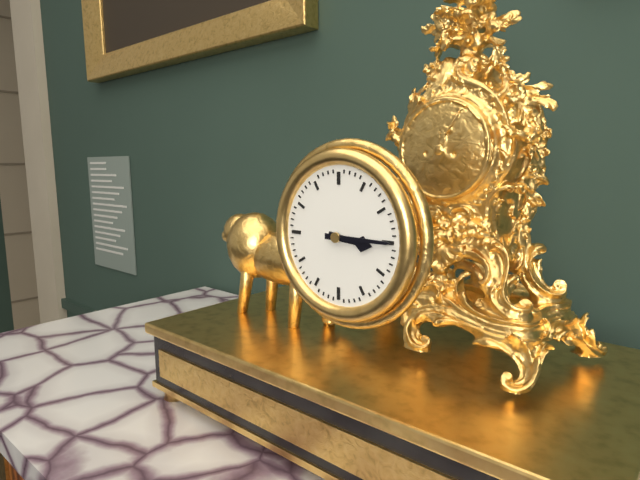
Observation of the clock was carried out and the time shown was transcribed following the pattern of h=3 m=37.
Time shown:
h=3 m=15
